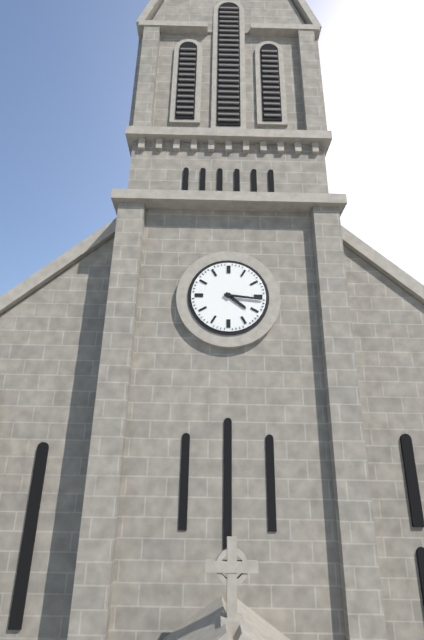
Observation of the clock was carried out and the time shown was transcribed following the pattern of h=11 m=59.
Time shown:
h=4 m=16
